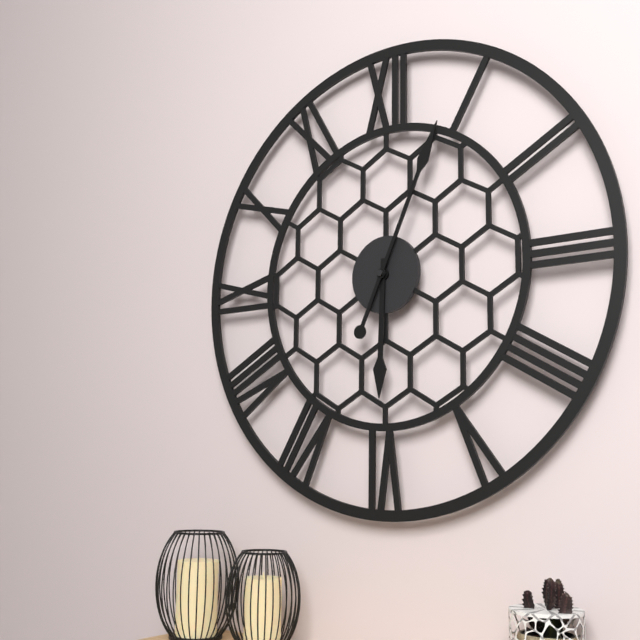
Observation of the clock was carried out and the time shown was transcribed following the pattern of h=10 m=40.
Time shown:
h=6 m=4
